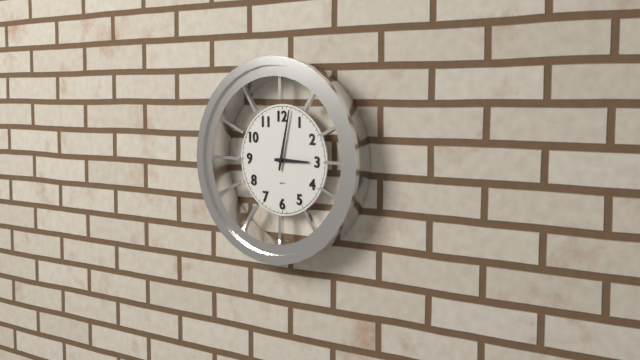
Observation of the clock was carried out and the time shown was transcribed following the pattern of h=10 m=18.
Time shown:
h=3 m=2
